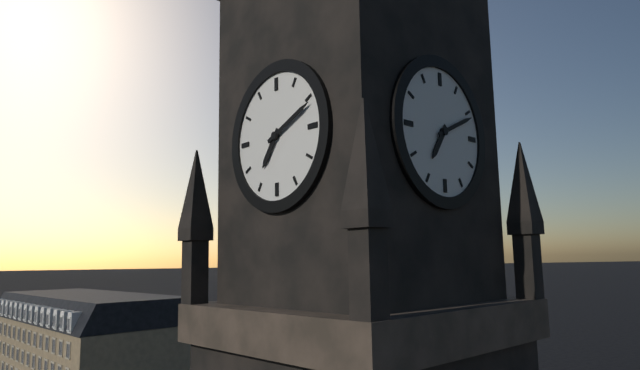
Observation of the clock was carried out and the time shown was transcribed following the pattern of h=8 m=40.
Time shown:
h=7 m=11
